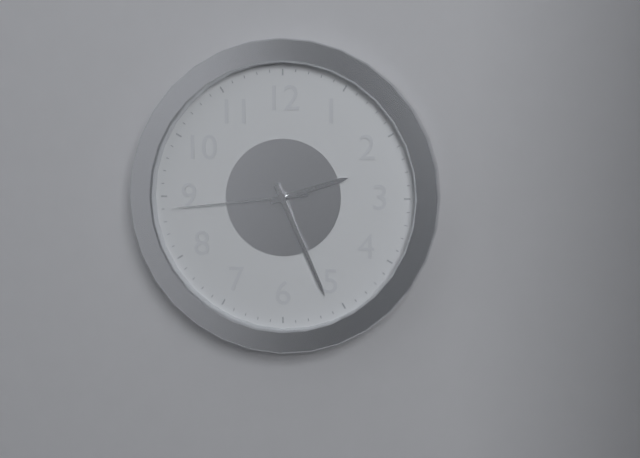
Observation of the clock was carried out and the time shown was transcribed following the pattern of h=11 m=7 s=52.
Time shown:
h=2 m=26 s=44
